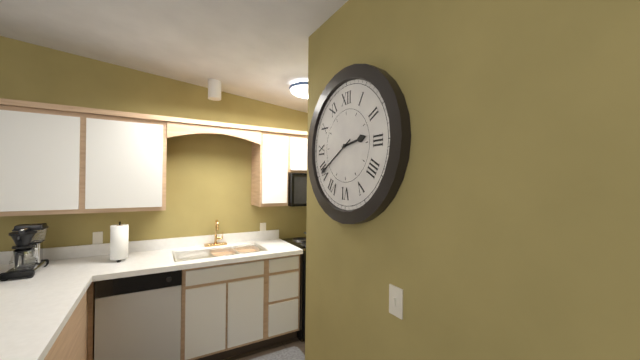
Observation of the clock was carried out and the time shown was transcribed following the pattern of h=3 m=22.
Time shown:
h=2 m=40
